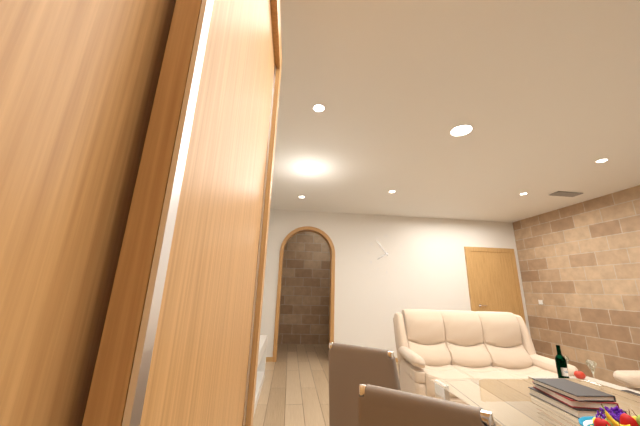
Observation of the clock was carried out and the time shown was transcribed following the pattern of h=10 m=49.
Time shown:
h=7 m=54
